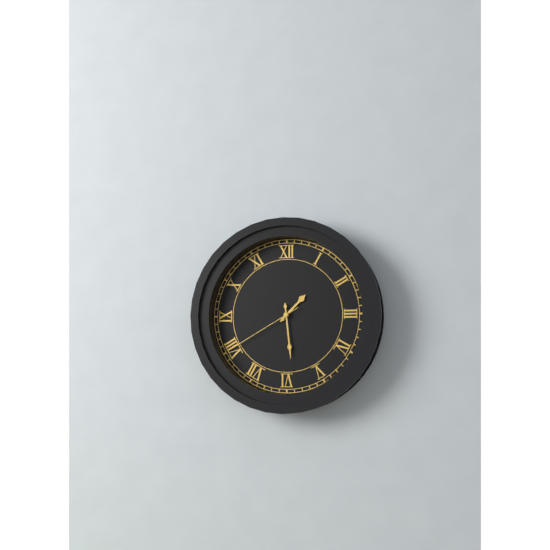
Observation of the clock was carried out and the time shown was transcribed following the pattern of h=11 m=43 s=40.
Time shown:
h=1 m=29 s=40
